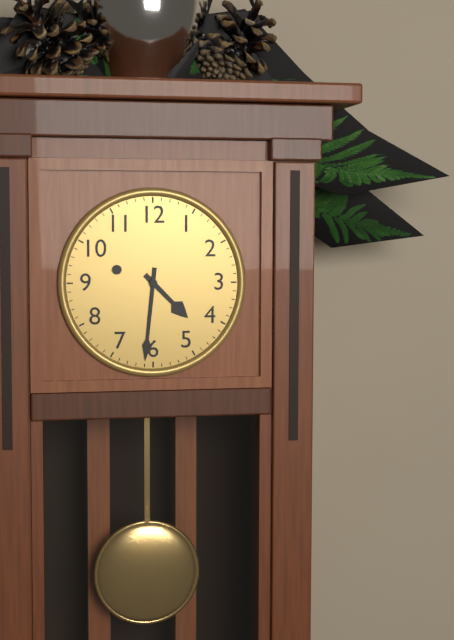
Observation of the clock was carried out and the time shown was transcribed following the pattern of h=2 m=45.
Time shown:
h=4 m=31
